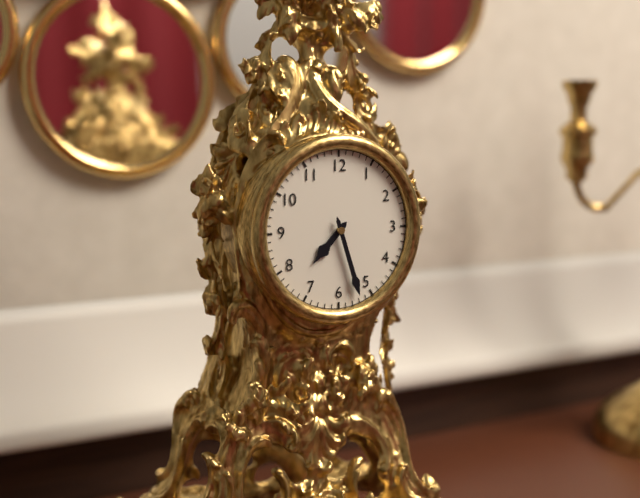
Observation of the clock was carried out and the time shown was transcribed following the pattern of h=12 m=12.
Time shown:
h=7 m=27
